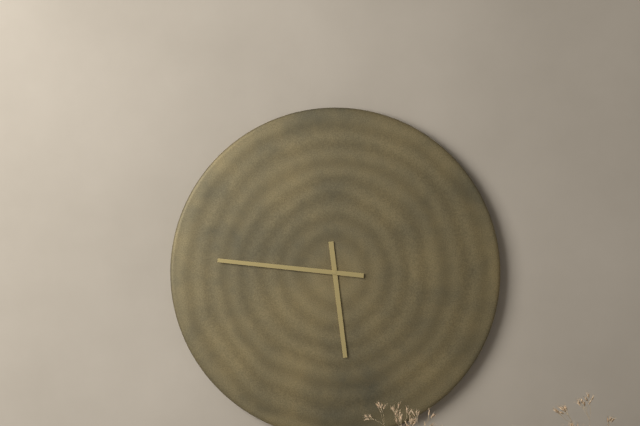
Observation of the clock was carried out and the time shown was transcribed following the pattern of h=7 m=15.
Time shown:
h=5 m=46
